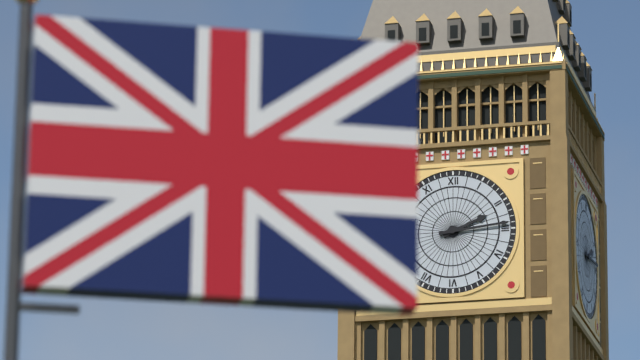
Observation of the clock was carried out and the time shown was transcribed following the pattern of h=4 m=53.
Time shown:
h=2 m=14
